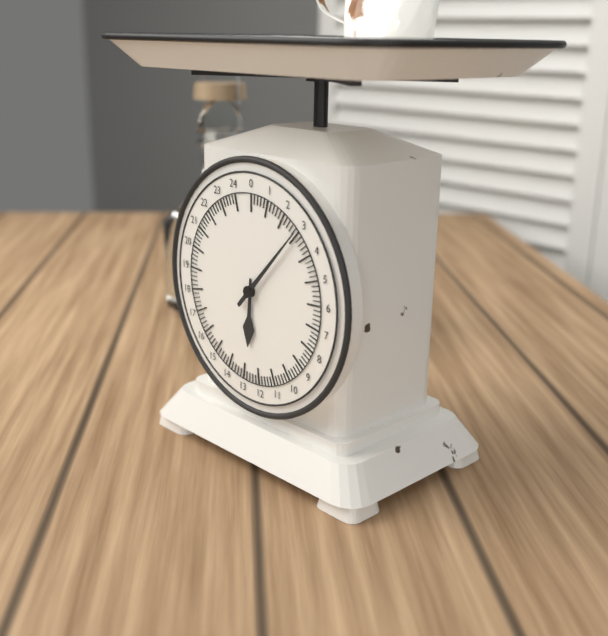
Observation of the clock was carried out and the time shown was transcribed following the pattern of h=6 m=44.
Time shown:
h=6 m=7
